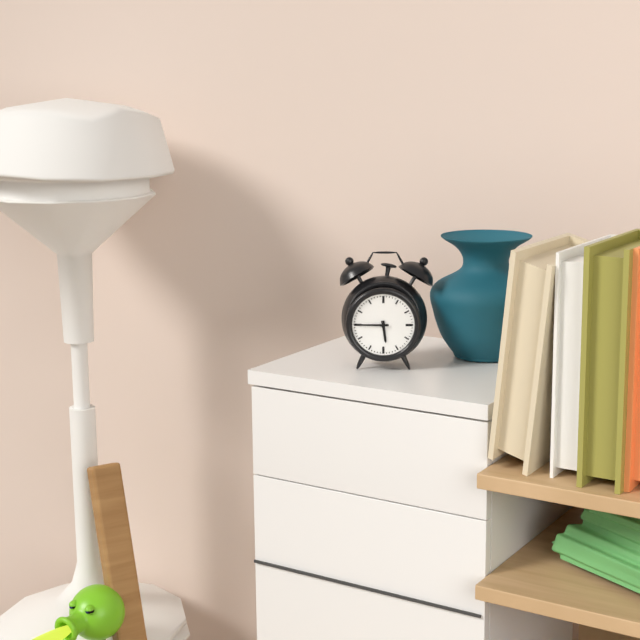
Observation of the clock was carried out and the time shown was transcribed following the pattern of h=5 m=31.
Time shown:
h=5 m=45
